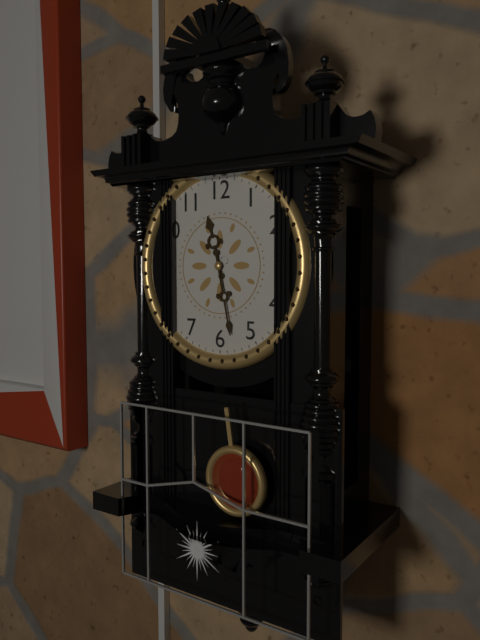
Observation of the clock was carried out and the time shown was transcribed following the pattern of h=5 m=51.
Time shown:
h=11 m=28
